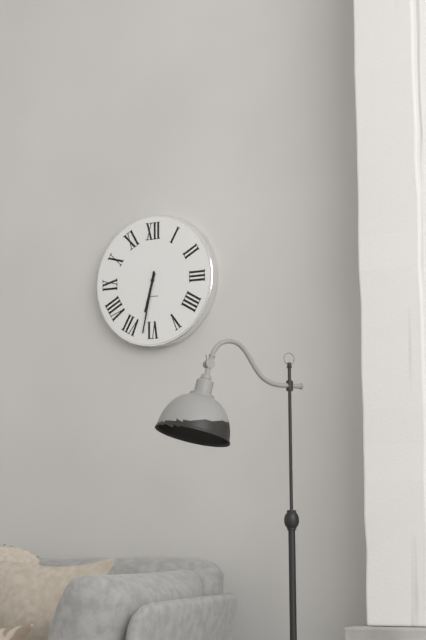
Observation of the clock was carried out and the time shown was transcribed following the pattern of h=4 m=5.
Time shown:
h=6 m=32
